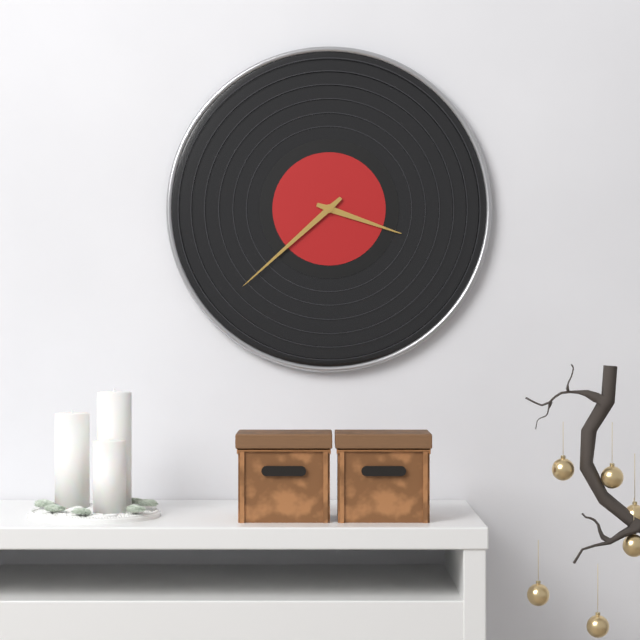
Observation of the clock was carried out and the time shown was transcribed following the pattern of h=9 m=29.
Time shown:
h=3 m=38
